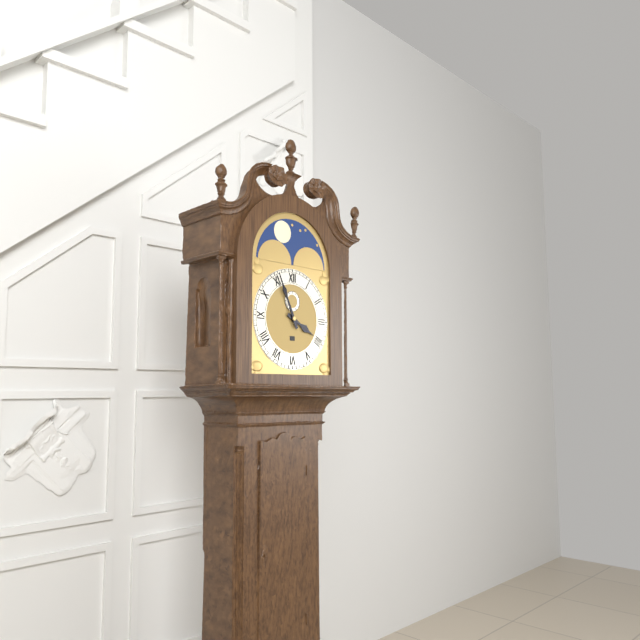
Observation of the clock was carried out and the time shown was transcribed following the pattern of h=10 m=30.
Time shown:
h=3 m=56
